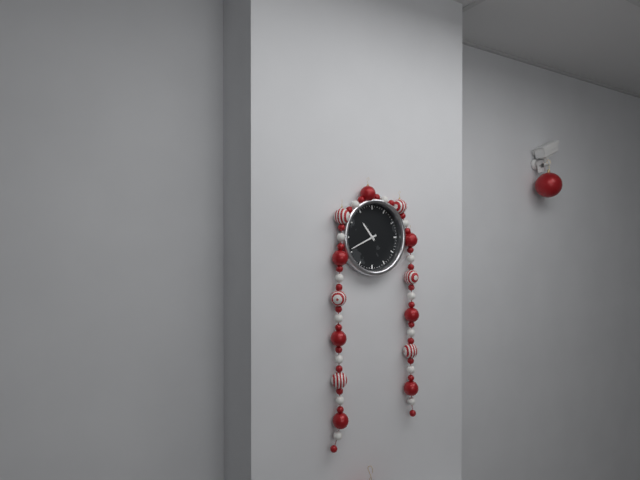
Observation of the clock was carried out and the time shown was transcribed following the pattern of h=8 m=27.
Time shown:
h=10 m=41
